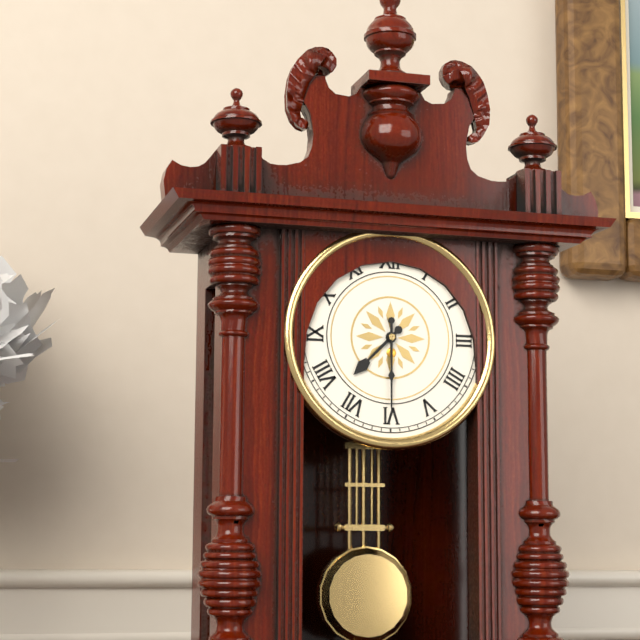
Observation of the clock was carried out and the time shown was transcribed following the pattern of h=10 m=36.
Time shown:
h=7 m=30
